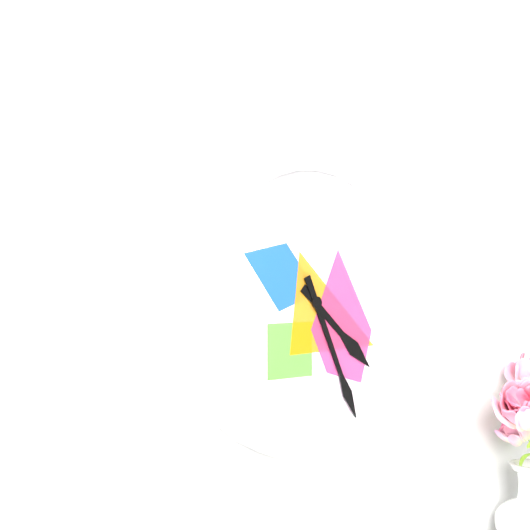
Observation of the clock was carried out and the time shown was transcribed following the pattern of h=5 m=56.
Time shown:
h=4 m=26
